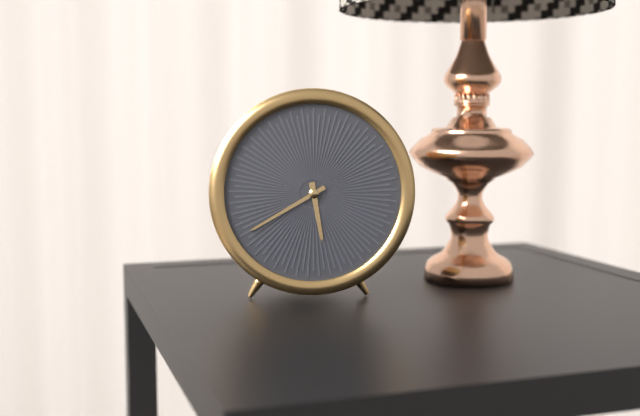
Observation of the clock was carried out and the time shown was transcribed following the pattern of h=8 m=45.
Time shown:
h=5 m=40
